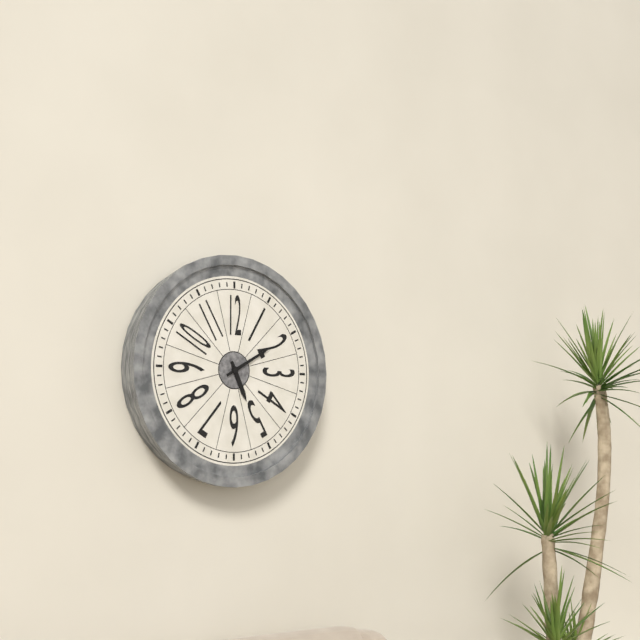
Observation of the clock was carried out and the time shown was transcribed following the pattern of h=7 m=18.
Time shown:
h=5 m=10
